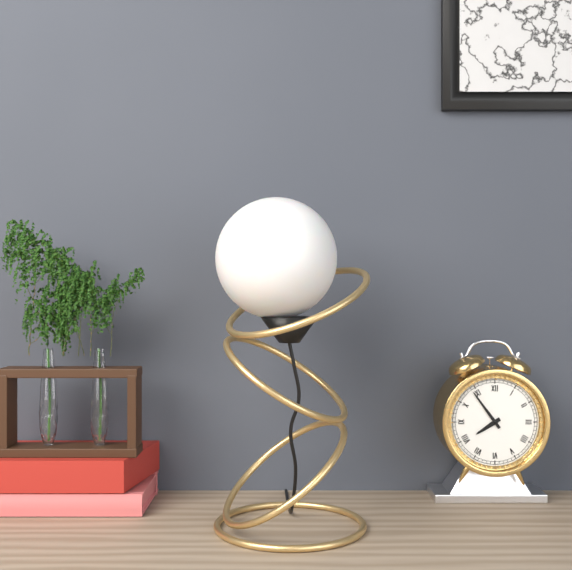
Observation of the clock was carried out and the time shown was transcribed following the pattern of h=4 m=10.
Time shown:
h=7 m=54
